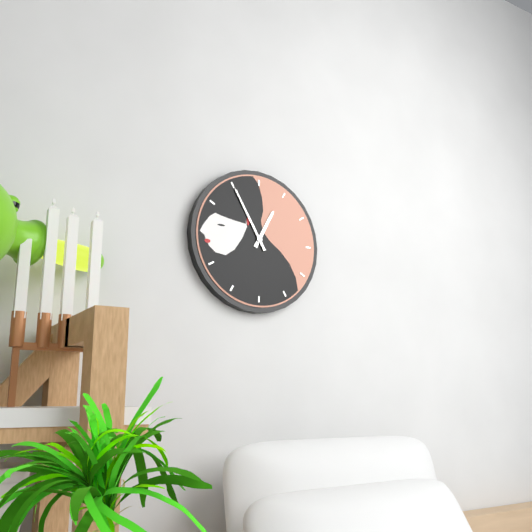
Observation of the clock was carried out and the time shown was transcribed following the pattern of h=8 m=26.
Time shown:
h=12 m=55
